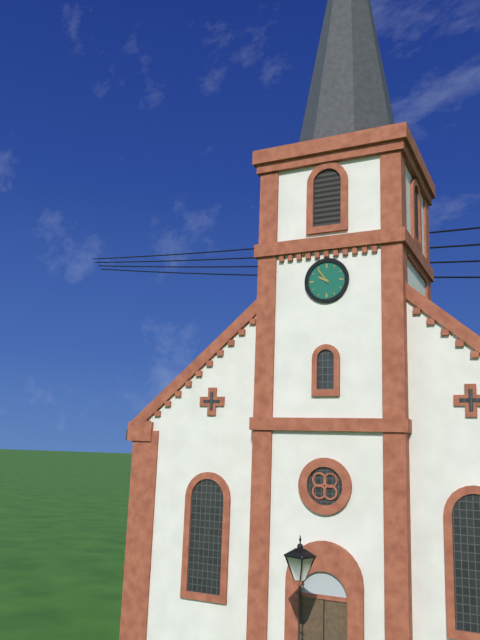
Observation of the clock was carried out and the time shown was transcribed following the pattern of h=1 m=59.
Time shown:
h=9 m=54
